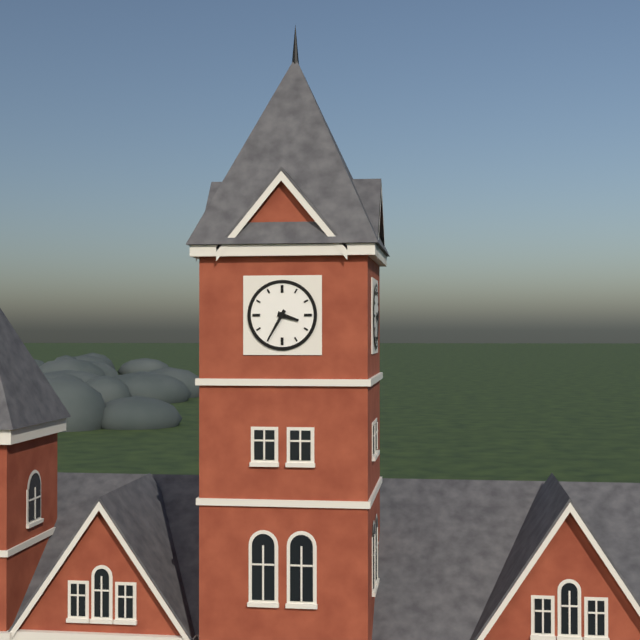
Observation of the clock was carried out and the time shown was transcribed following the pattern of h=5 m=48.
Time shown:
h=3 m=35
